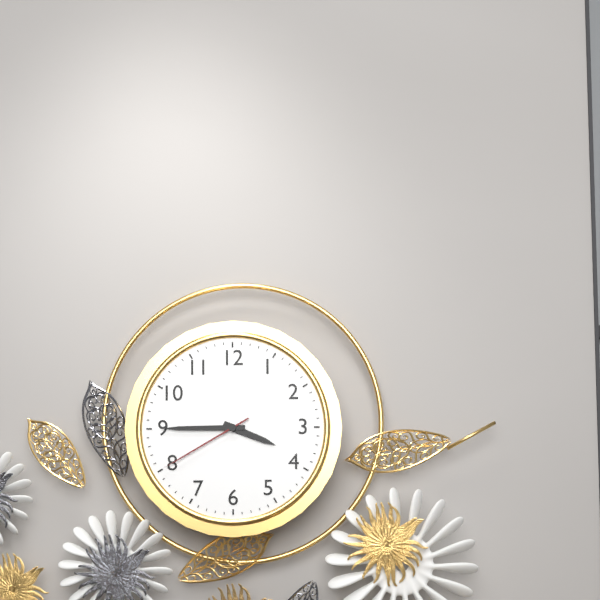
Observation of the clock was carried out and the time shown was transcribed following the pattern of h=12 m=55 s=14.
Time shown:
h=3 m=45 s=40
